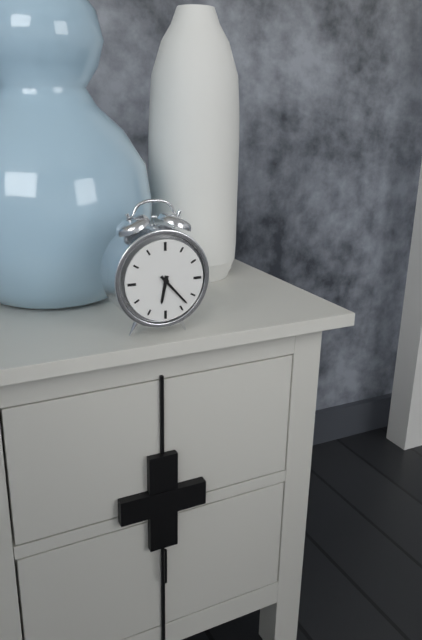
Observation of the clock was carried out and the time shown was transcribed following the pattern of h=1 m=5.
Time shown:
h=6 m=23
